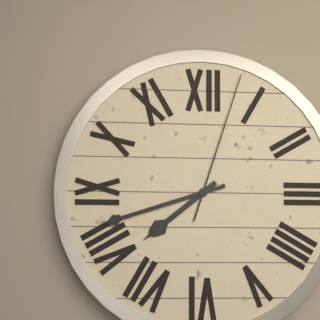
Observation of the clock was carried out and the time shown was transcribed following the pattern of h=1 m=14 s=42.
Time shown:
h=7 m=42 s=3
